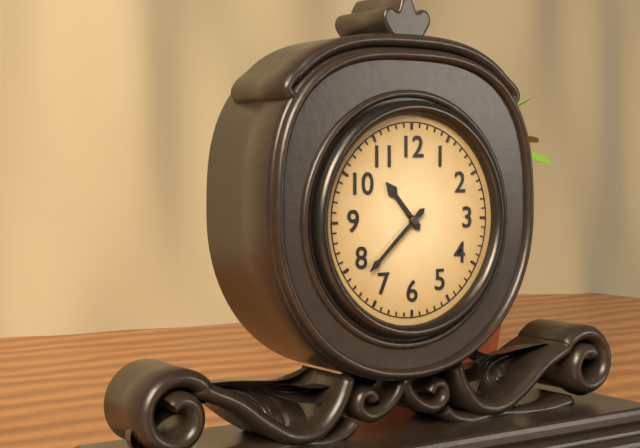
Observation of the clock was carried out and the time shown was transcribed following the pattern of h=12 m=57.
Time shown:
h=10 m=38
